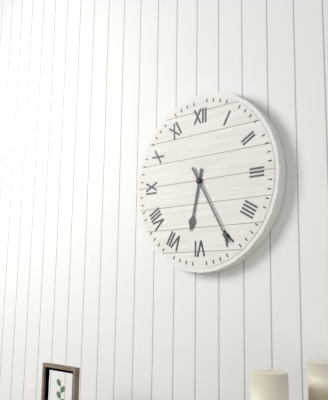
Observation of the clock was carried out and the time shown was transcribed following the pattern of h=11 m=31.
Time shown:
h=6 m=25
